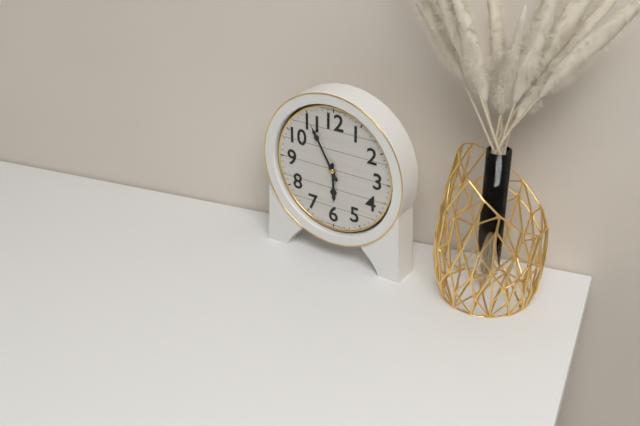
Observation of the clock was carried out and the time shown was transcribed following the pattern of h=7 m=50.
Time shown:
h=5 m=55
